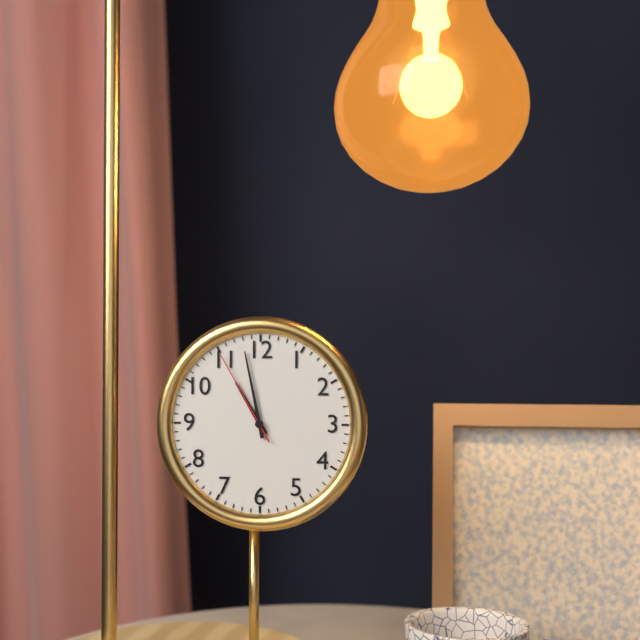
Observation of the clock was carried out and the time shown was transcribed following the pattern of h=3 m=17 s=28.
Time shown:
h=10 m=58 s=55
